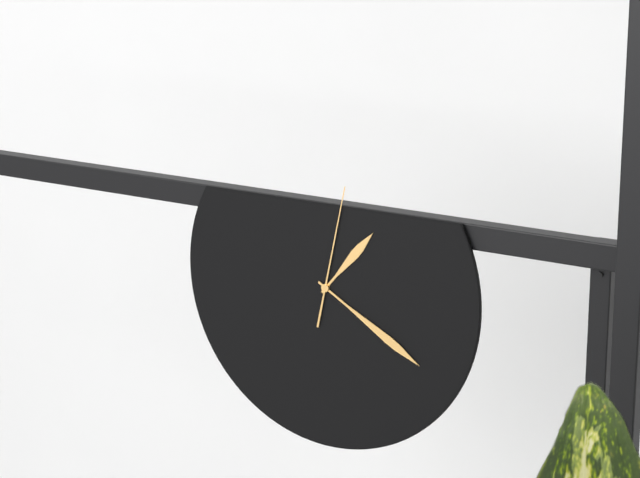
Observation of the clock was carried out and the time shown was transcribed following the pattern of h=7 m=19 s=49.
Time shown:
h=1 m=20 s=2
